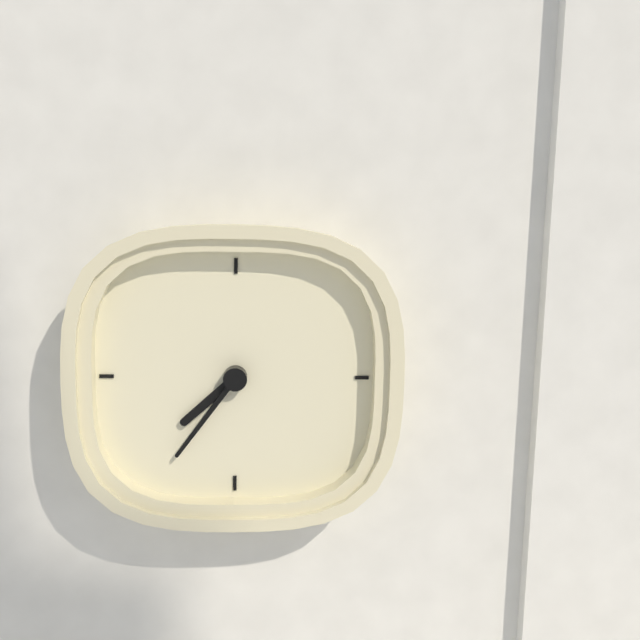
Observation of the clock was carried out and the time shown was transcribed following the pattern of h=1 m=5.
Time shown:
h=7 m=36
